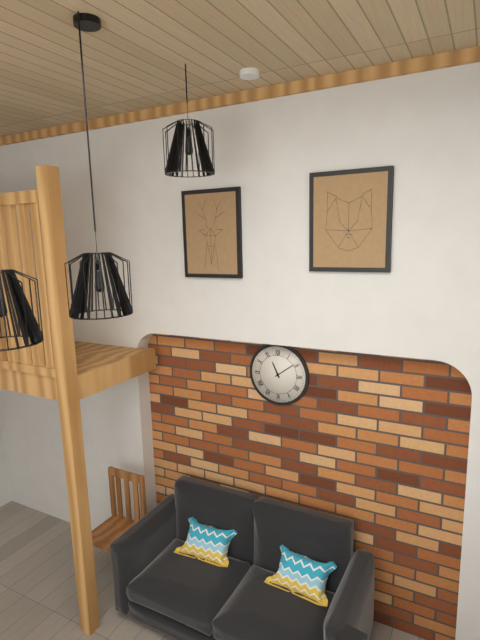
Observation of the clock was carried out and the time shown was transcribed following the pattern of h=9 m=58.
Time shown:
h=11 m=9
